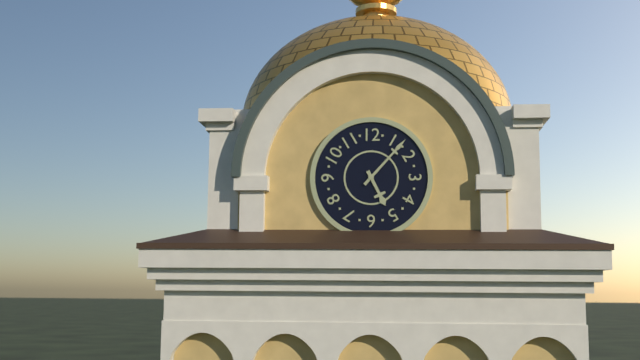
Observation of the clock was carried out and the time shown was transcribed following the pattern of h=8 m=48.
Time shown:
h=5 m=7
